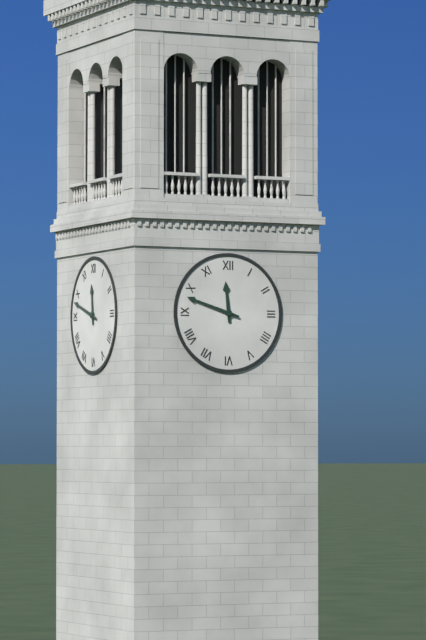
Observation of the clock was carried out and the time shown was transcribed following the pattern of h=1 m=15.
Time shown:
h=11 m=48
